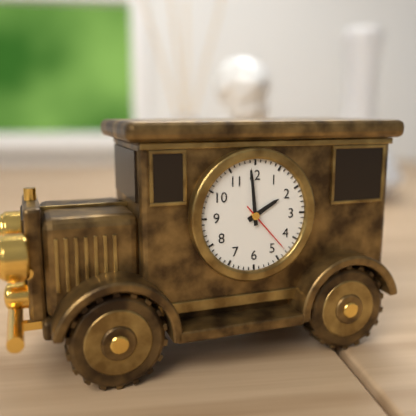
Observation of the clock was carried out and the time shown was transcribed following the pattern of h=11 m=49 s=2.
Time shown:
h=1 m=59 s=23
